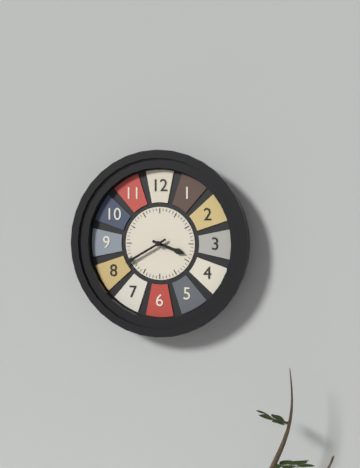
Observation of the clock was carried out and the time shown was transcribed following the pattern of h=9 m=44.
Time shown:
h=3 m=40
